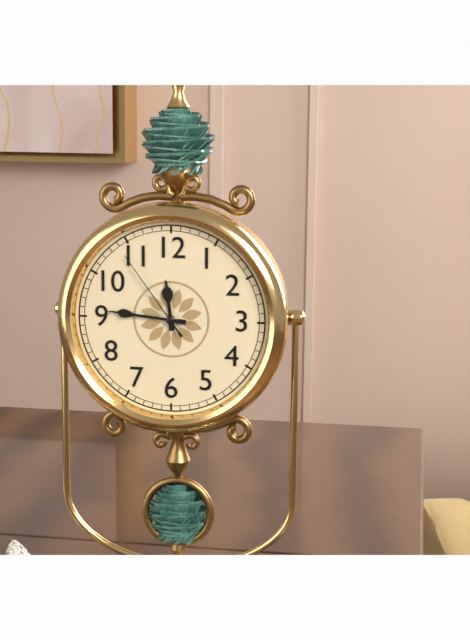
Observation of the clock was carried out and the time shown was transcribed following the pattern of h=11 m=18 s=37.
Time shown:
h=11 m=46 s=54
